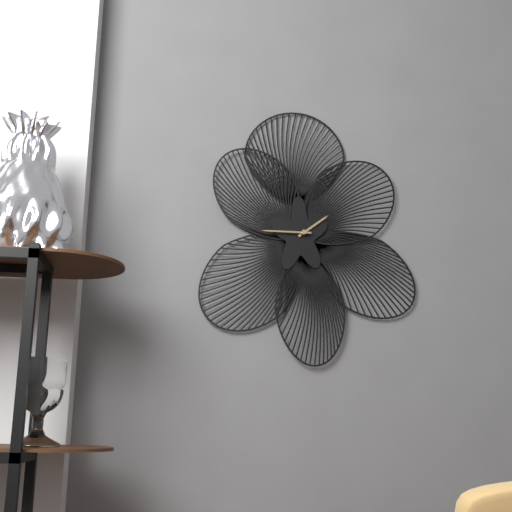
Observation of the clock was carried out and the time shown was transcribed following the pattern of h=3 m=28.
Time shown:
h=1 m=45
